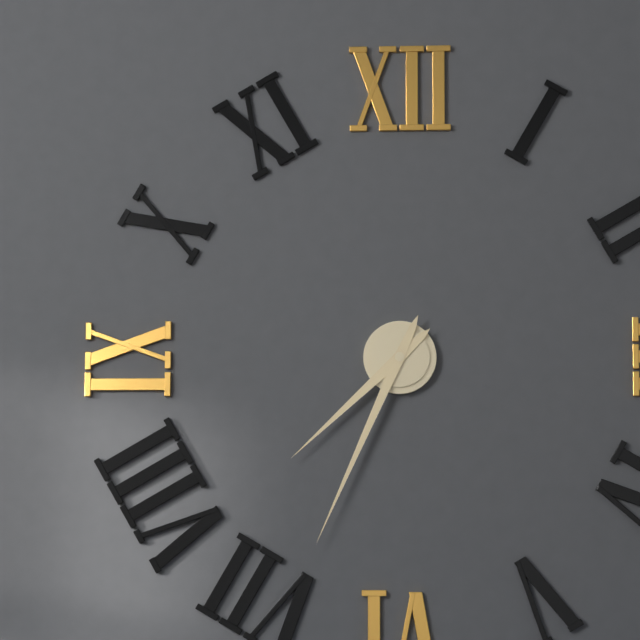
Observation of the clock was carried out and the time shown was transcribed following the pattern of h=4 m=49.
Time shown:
h=7 m=34
